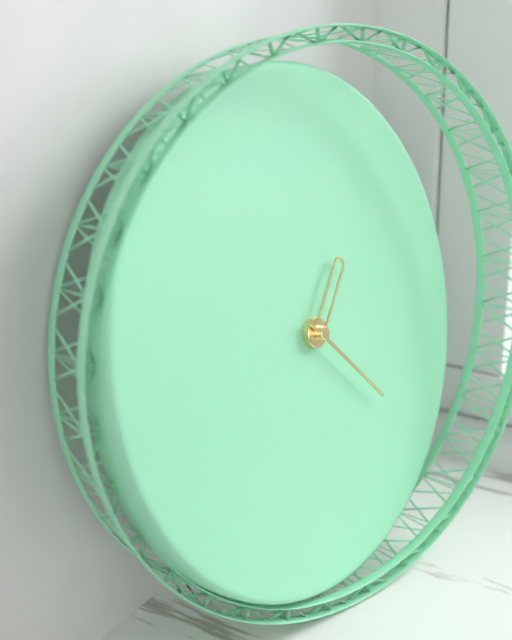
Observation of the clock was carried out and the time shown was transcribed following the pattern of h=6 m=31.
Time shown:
h=1 m=23
